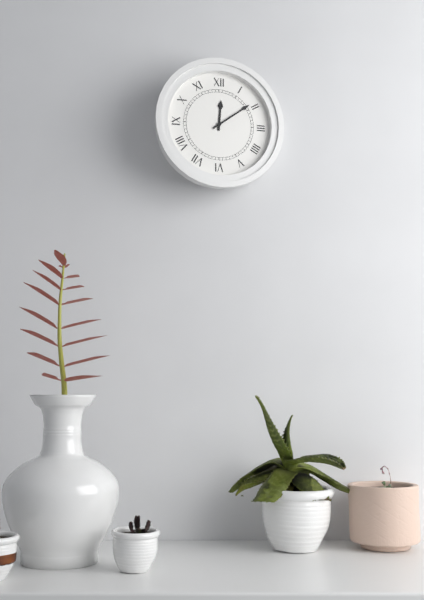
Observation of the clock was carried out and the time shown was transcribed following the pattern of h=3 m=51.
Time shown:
h=12 m=9
